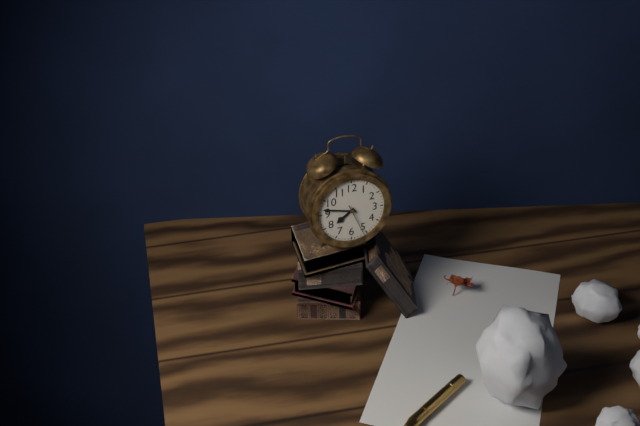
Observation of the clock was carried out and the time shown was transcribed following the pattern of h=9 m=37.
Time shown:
h=7 m=47
